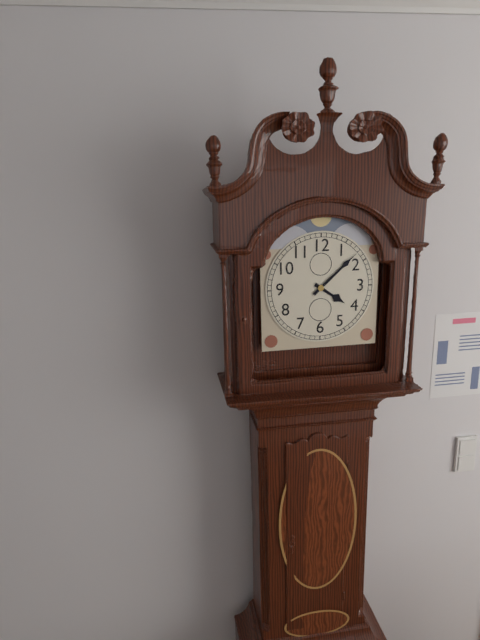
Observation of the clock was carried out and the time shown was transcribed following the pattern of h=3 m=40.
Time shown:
h=4 m=8
